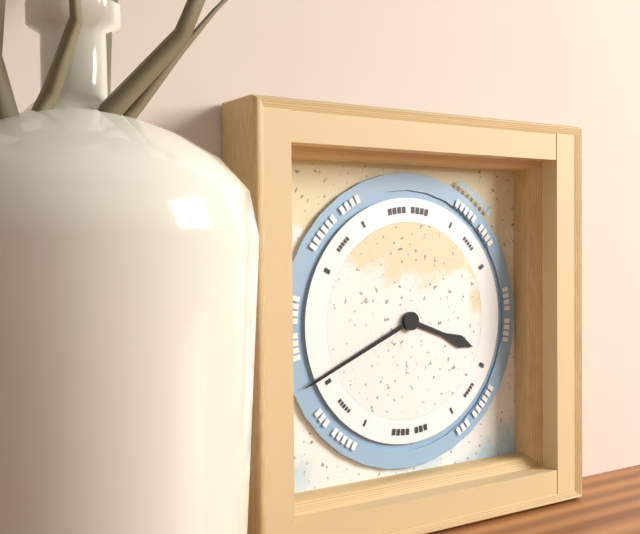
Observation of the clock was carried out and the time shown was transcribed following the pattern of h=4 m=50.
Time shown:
h=3 m=41
